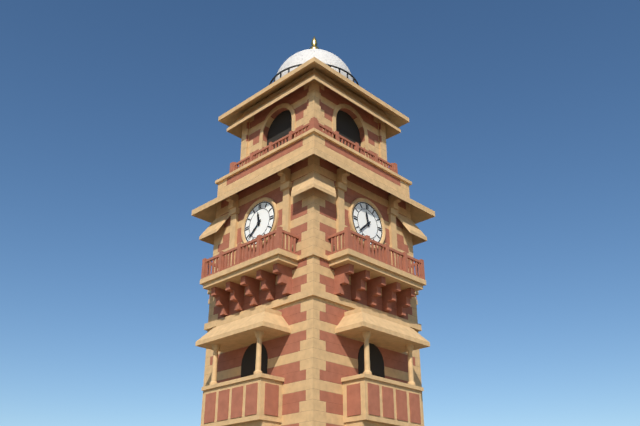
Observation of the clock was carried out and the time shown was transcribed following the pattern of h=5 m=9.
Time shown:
h=11 m=38
